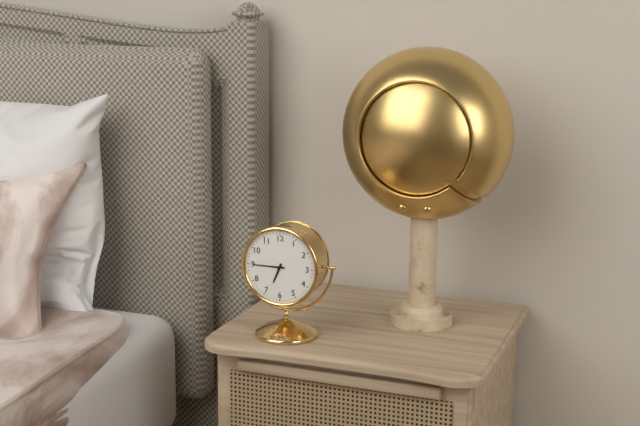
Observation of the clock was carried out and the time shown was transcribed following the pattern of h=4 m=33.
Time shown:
h=6 m=45
